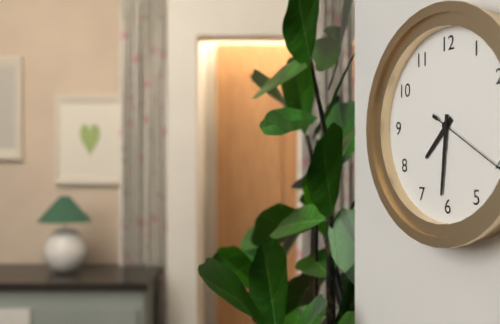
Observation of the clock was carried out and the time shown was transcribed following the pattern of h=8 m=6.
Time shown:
h=7 m=31
